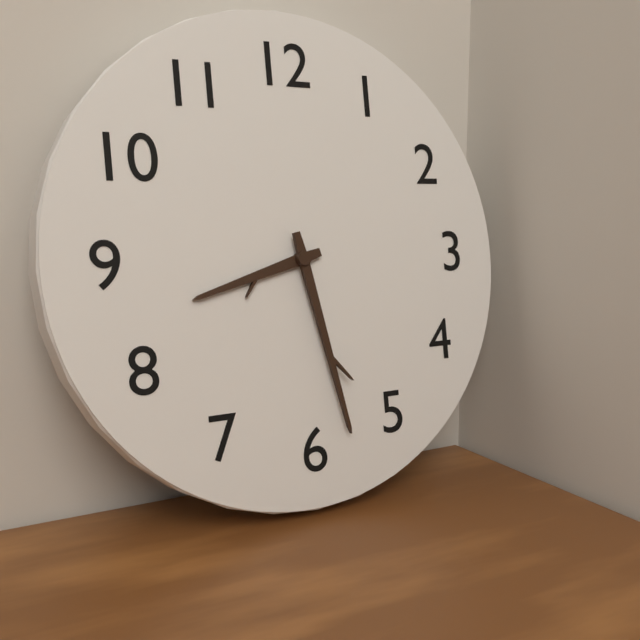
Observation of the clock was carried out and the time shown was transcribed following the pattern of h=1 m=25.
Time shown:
h=8 m=28
